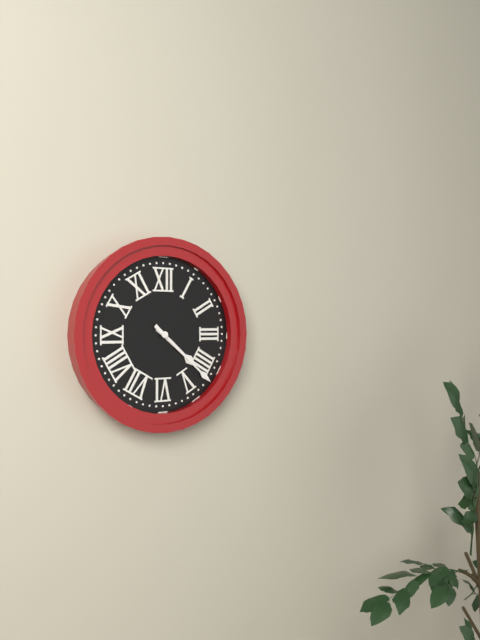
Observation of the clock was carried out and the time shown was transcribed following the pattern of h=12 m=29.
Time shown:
h=4 m=22
